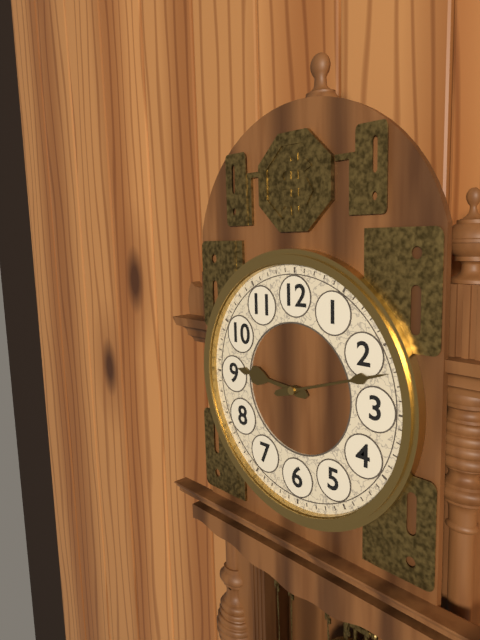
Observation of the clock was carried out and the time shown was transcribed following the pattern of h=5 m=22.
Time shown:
h=9 m=12
